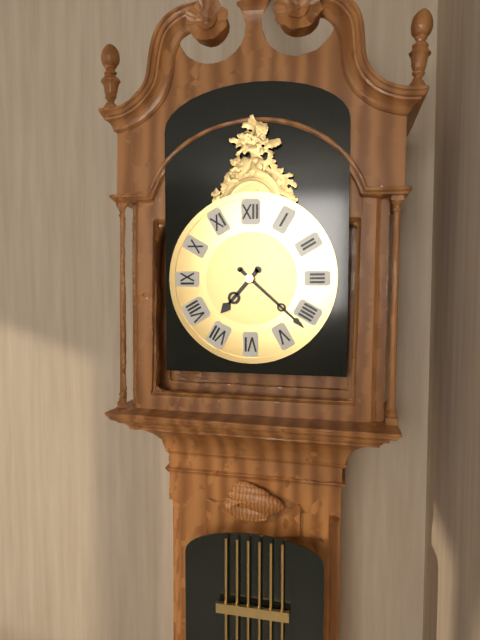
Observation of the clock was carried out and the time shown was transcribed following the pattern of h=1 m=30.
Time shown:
h=7 m=22
